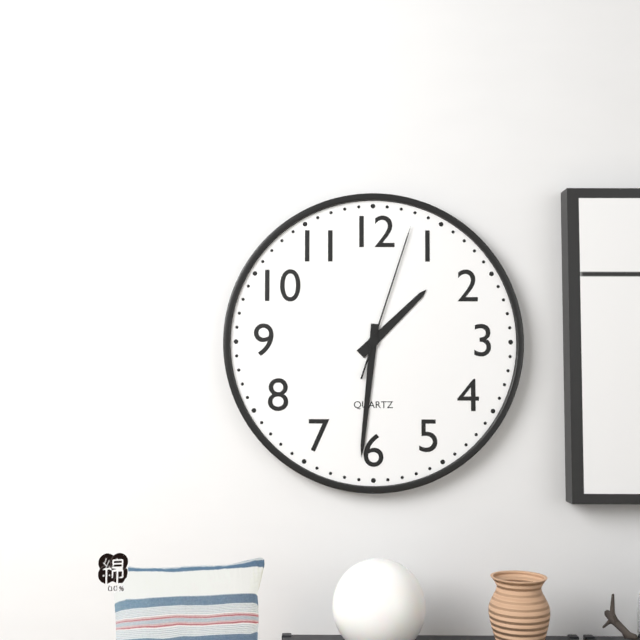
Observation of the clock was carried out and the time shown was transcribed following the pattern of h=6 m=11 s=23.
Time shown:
h=1 m=31 s=3
